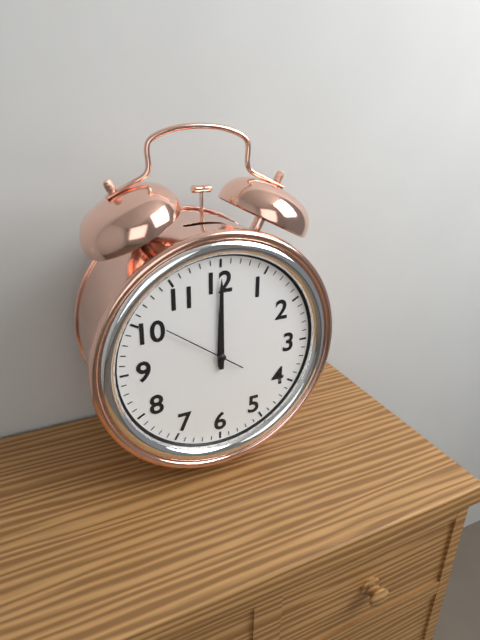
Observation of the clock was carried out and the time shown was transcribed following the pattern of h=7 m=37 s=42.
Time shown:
h=12 m=0 s=51
